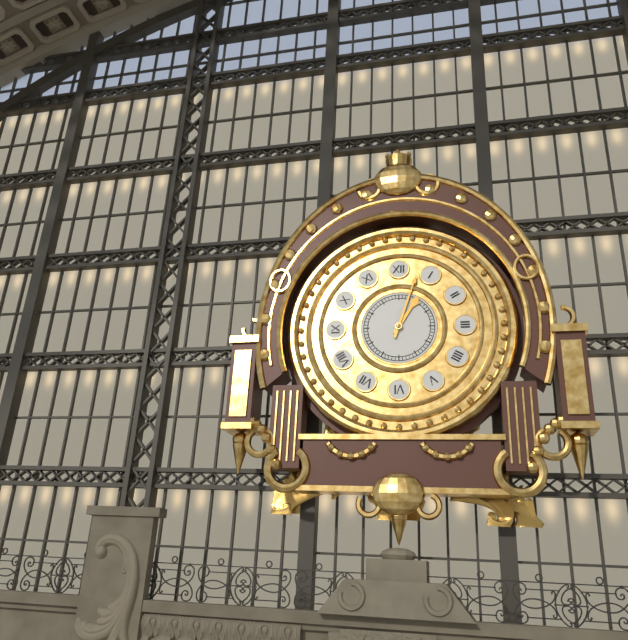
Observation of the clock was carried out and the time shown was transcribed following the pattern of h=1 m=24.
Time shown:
h=1 m=3
